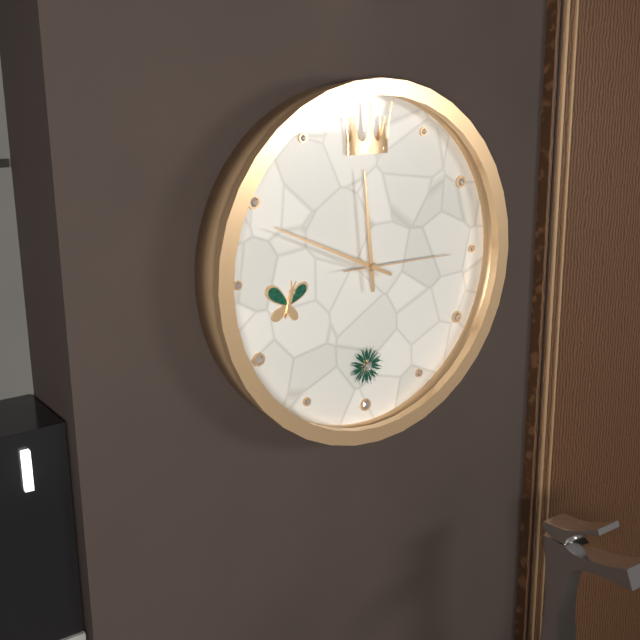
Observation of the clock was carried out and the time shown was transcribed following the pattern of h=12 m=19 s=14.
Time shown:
h=11 m=49 s=15
